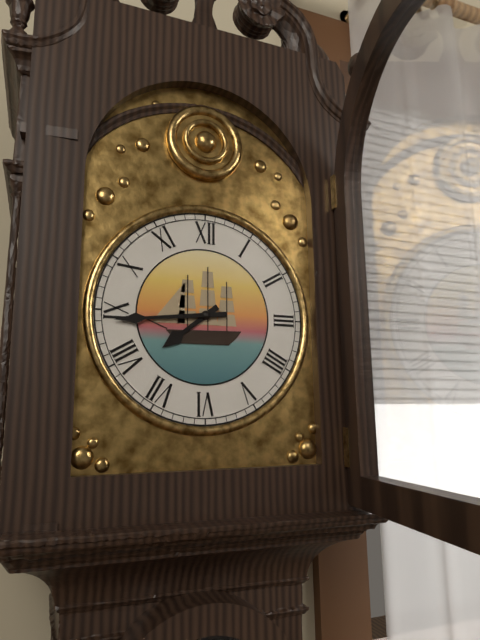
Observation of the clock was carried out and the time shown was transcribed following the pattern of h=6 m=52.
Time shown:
h=7 m=44
